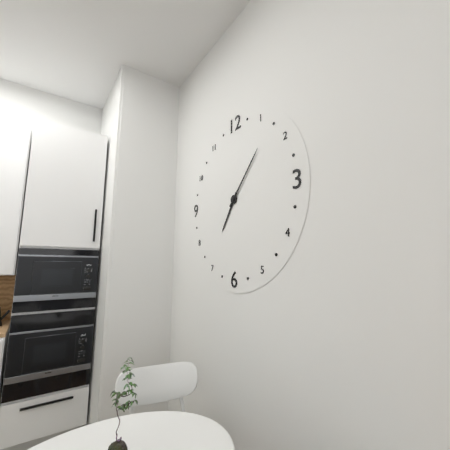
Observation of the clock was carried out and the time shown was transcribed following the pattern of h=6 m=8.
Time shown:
h=7 m=7
